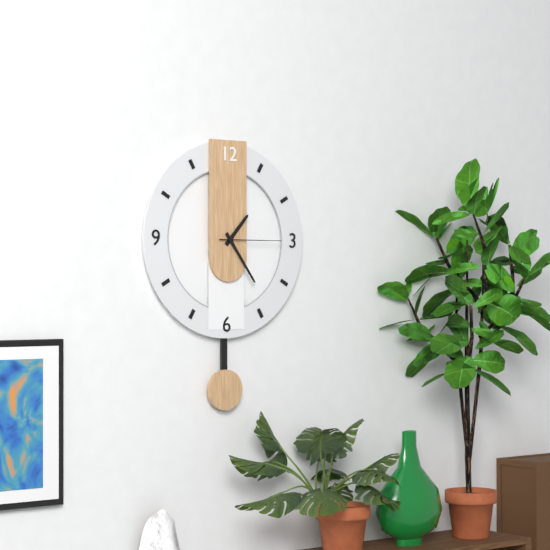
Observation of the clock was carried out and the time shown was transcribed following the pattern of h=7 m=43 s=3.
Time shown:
h=1 m=24 s=15
